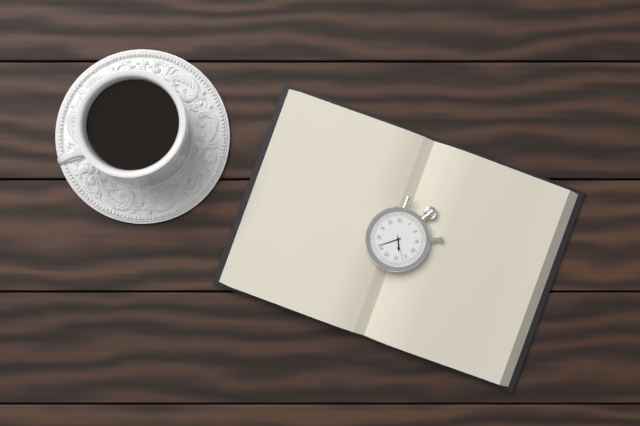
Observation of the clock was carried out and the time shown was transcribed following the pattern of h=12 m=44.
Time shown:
h=5 m=41
